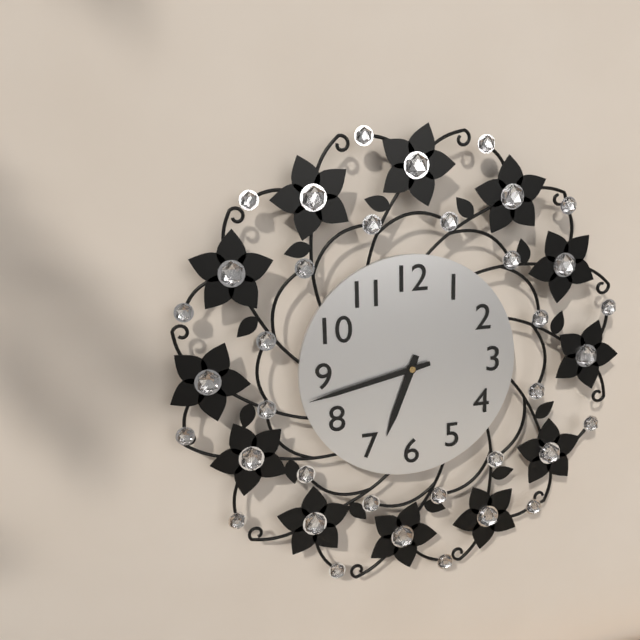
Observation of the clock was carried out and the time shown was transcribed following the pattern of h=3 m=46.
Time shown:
h=6 m=43
